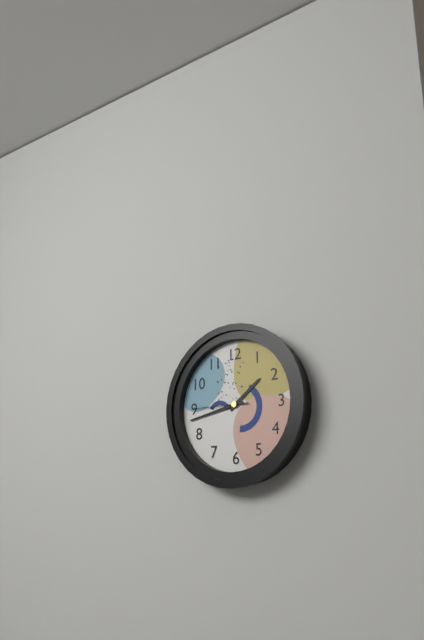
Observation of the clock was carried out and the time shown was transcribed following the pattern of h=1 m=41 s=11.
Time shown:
h=1 m=43 s=45
